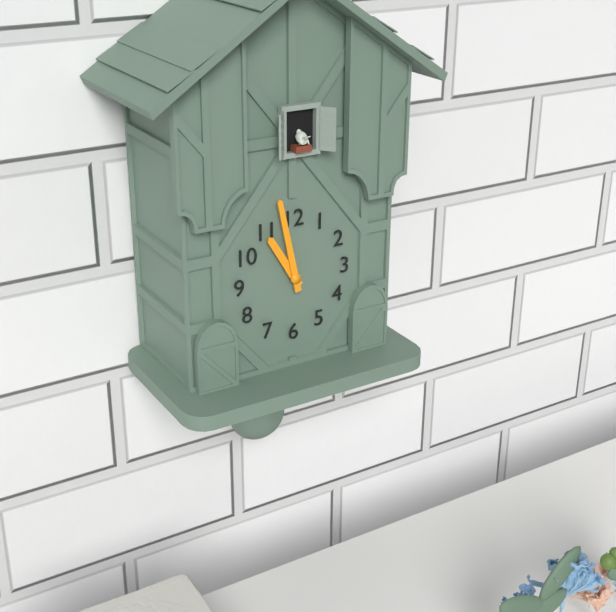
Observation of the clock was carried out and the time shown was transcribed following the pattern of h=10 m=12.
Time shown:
h=10 m=58
